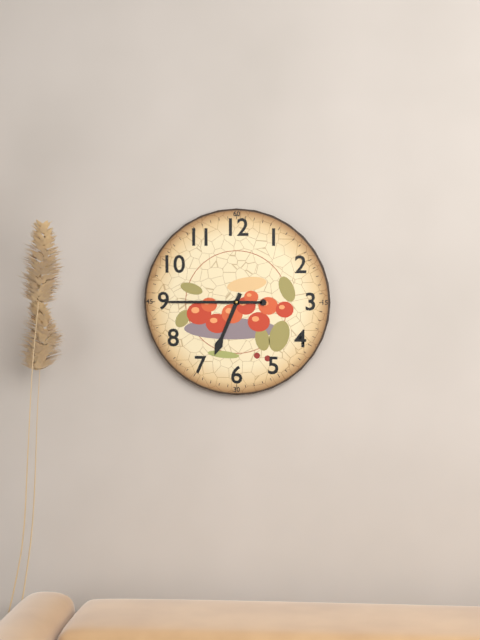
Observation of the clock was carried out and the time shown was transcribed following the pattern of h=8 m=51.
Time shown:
h=6 m=45
